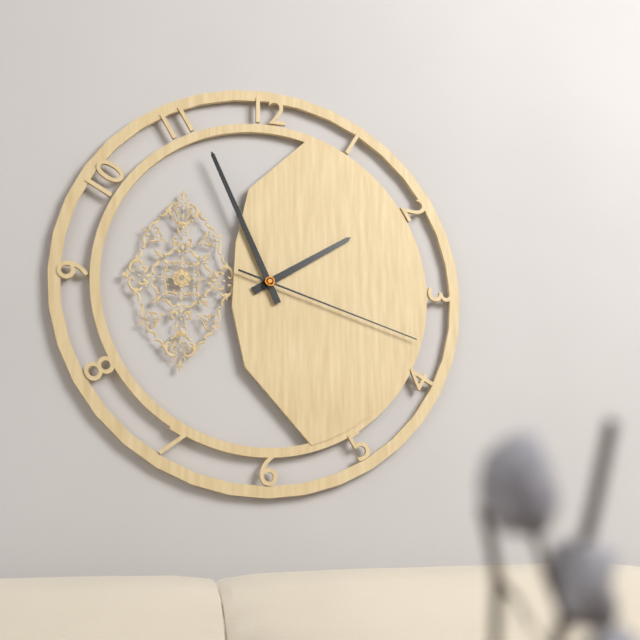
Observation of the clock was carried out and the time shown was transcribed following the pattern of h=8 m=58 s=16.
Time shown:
h=1 m=56 s=18
